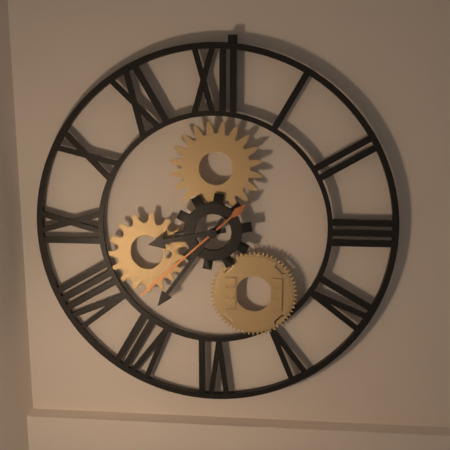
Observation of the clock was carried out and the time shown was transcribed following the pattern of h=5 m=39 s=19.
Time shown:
h=8 m=36 s=38
